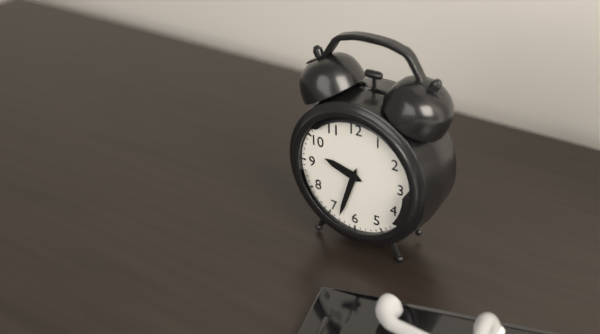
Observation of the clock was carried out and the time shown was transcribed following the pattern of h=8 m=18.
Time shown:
h=9 m=33
